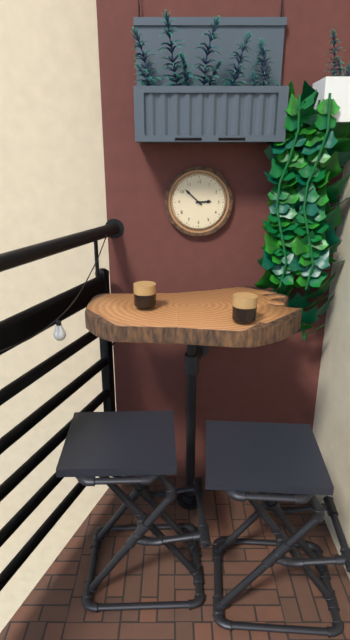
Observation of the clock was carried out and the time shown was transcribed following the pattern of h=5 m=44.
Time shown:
h=2 m=52
